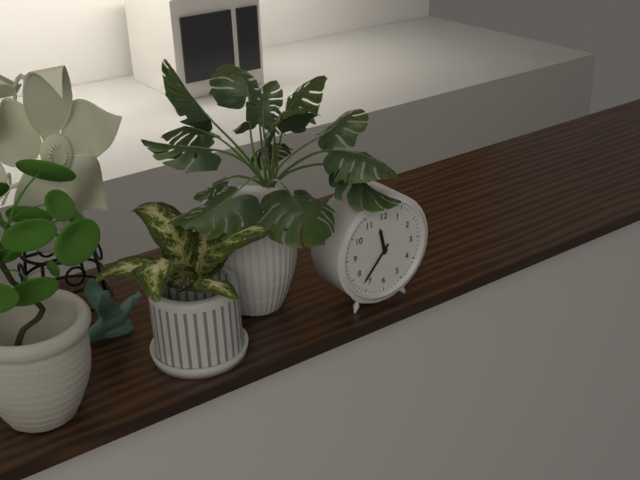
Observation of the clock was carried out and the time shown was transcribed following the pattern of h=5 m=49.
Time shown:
h=11 m=37
